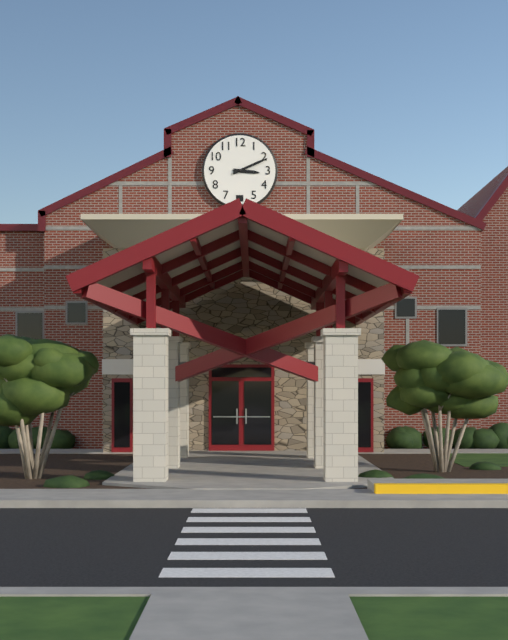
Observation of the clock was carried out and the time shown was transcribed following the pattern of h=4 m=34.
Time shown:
h=3 m=11
